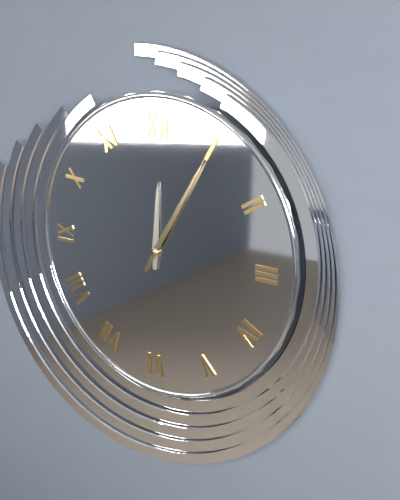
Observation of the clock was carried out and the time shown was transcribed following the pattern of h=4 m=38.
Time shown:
h=12 m=5
